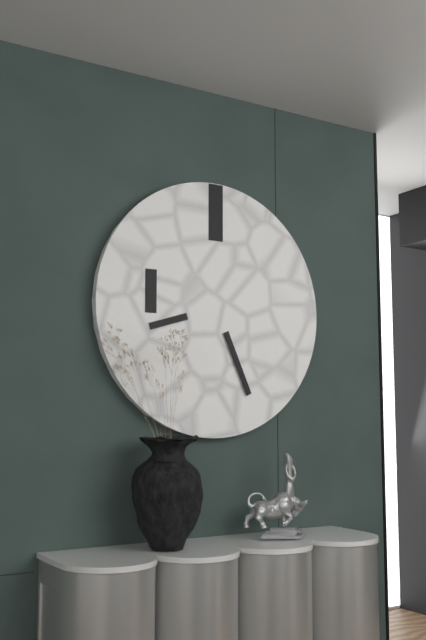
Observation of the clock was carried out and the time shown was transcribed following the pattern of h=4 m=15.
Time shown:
h=8 m=26
